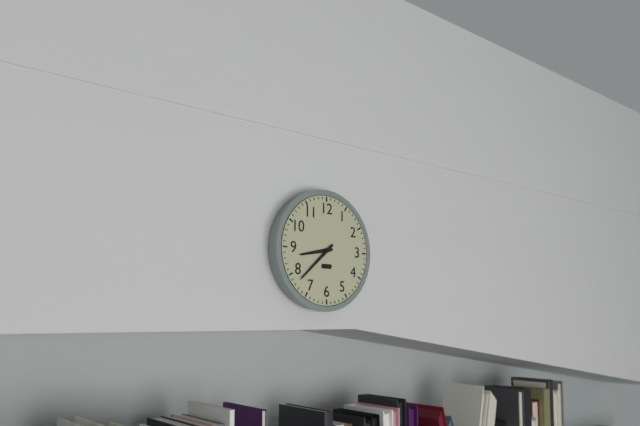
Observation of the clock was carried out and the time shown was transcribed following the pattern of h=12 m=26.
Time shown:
h=8 m=38
